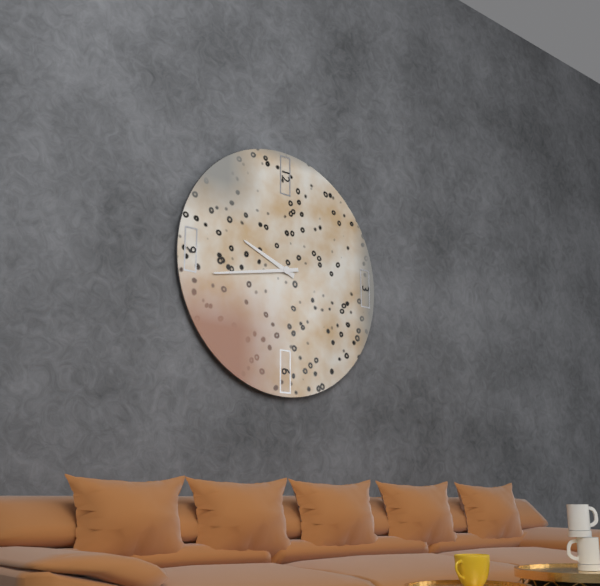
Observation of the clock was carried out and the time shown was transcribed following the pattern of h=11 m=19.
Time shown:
h=9 m=43
